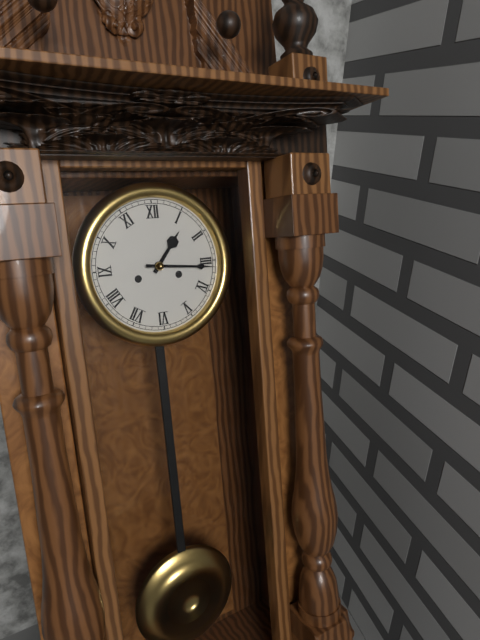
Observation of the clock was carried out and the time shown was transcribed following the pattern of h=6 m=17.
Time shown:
h=1 m=16
